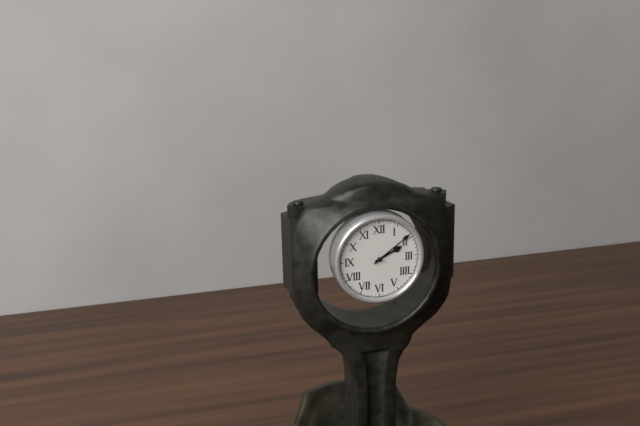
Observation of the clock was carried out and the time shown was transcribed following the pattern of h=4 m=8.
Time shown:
h=2 m=9
